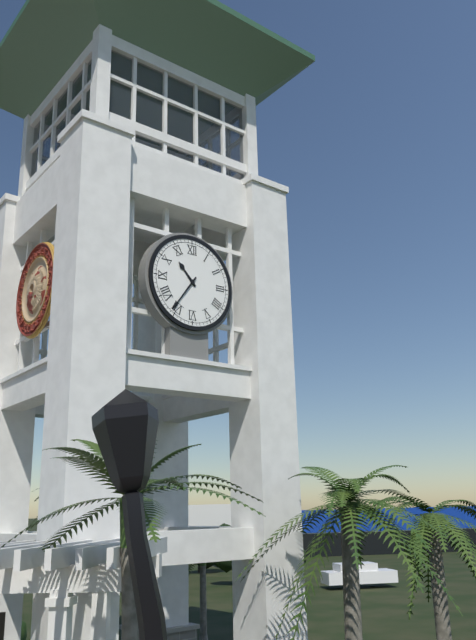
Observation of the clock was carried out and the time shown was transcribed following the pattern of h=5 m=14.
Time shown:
h=10 m=36
